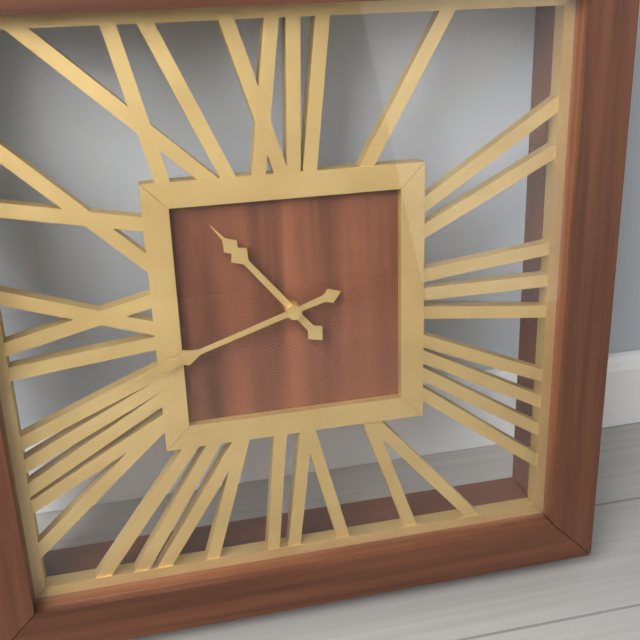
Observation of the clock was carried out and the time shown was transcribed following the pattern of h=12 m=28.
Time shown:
h=10 m=42
